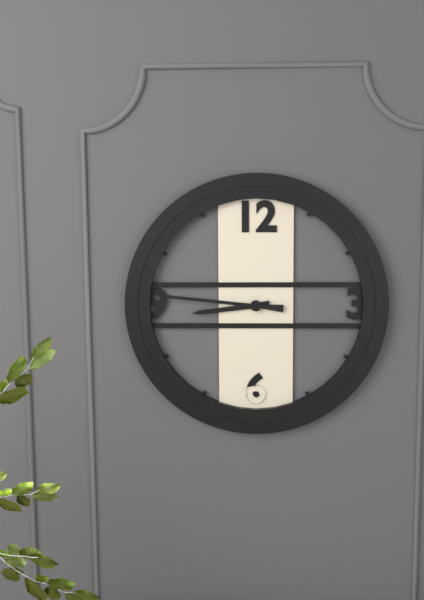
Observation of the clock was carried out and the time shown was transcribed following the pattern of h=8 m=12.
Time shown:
h=8 m=46
